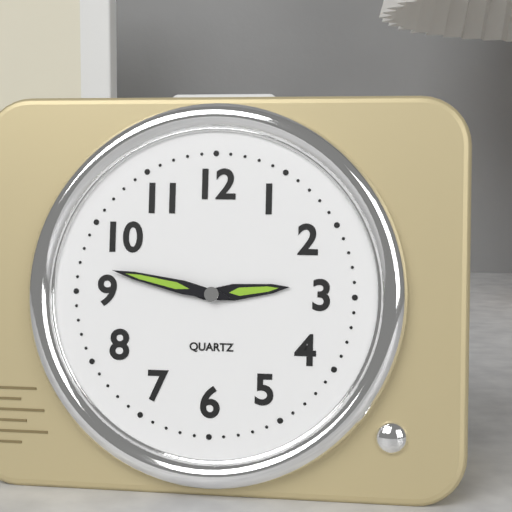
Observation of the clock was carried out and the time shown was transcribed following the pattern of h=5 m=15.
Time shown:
h=2 m=47
